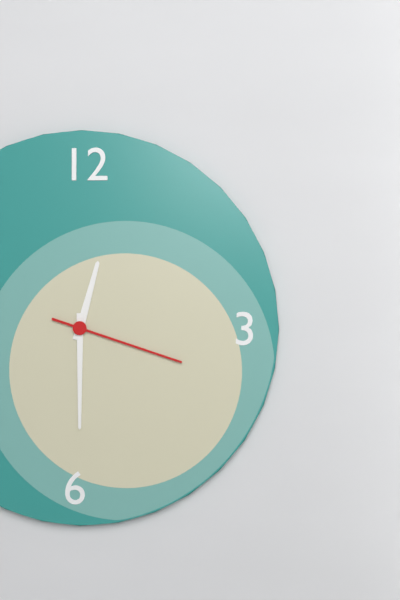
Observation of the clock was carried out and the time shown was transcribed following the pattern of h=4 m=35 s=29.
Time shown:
h=12 m=30 s=18
